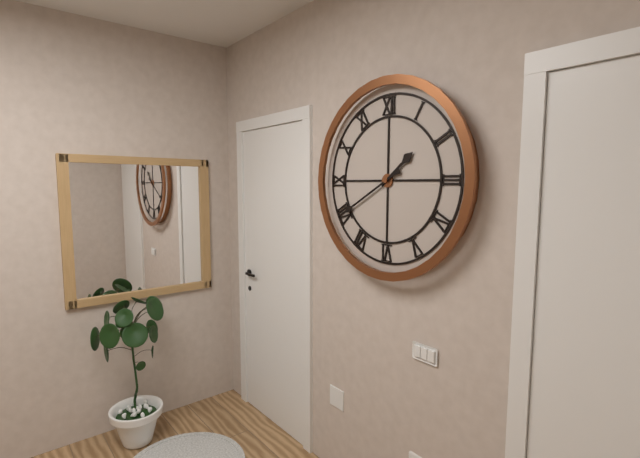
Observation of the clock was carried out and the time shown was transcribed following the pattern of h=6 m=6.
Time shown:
h=1 m=40
